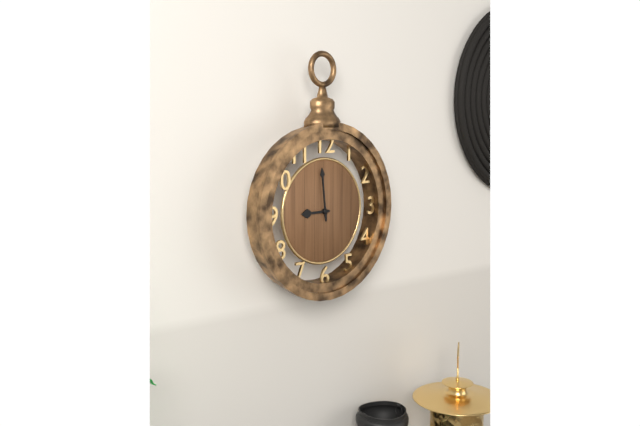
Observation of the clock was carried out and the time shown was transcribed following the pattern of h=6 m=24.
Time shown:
h=8 m=59
